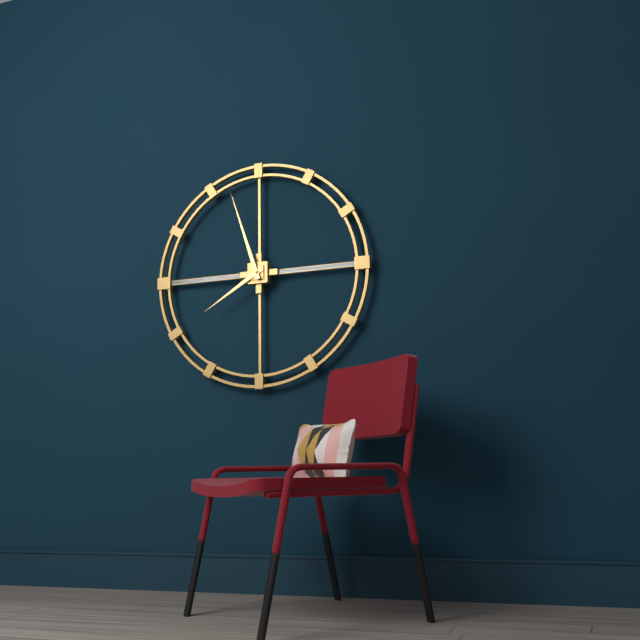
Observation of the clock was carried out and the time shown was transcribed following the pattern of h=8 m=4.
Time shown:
h=7 m=57
